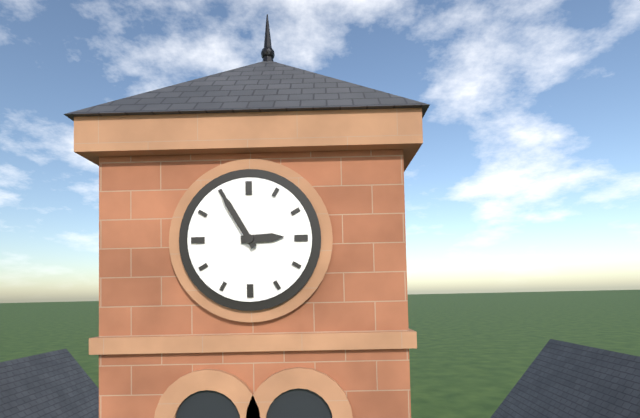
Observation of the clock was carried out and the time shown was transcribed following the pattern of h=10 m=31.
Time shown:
h=2 m=55
